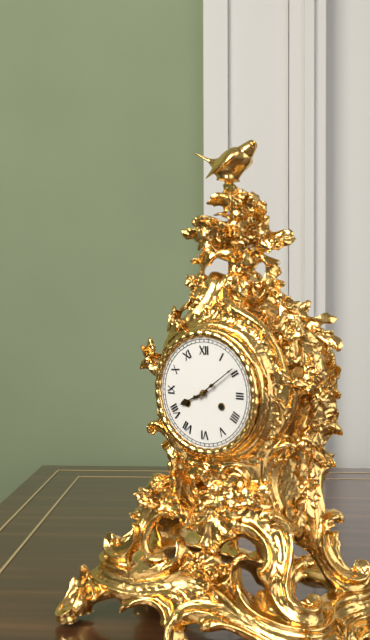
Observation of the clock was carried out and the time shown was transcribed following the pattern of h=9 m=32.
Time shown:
h=8 m=9
